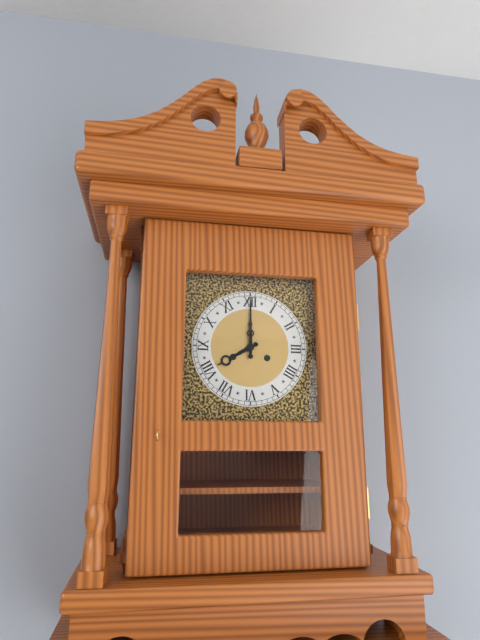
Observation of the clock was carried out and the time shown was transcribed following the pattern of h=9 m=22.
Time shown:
h=8 m=0
